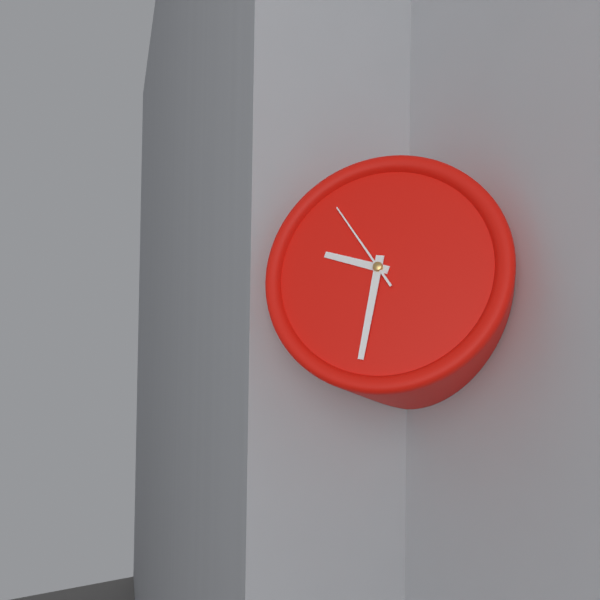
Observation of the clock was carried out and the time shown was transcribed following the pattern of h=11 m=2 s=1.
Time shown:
h=9 m=31 s=54
